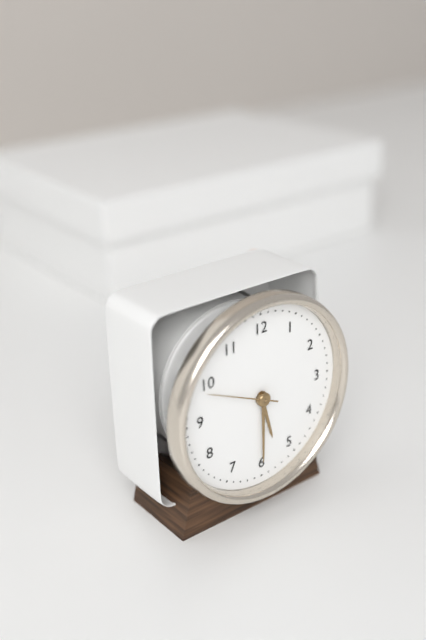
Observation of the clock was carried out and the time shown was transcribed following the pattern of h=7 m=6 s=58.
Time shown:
h=5 m=30 s=49
